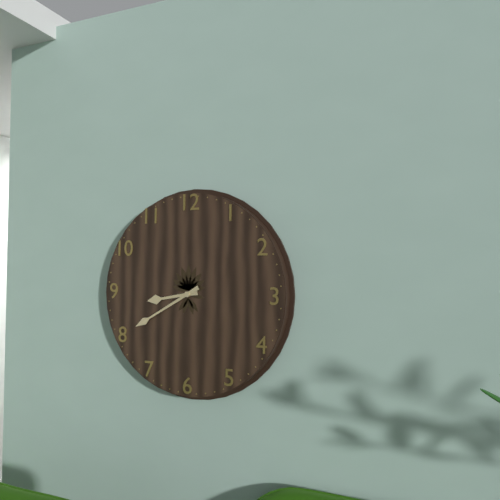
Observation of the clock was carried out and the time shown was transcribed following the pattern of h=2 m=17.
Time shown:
h=8 m=40
